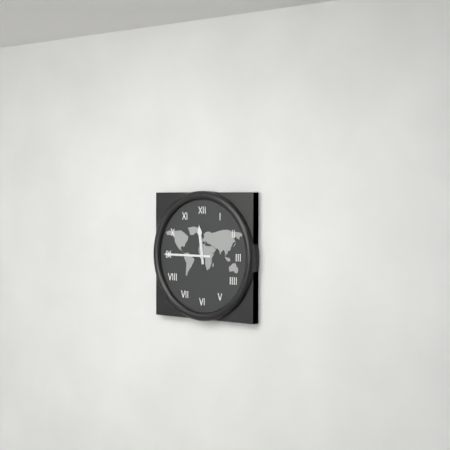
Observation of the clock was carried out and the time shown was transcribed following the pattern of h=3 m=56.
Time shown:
h=11 m=45
